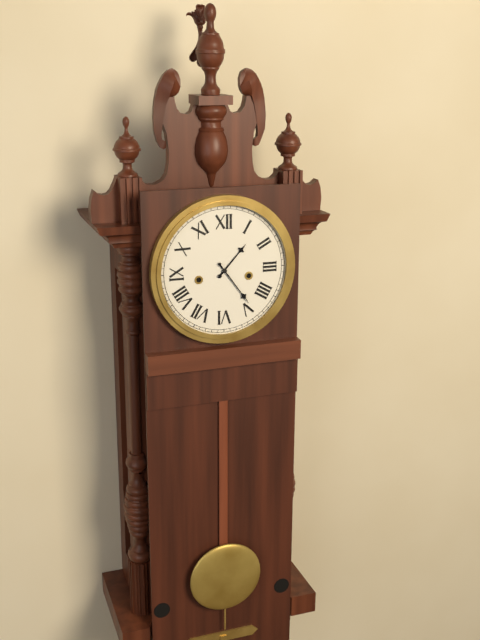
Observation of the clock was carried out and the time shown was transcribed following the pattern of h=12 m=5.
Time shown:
h=1 m=24
